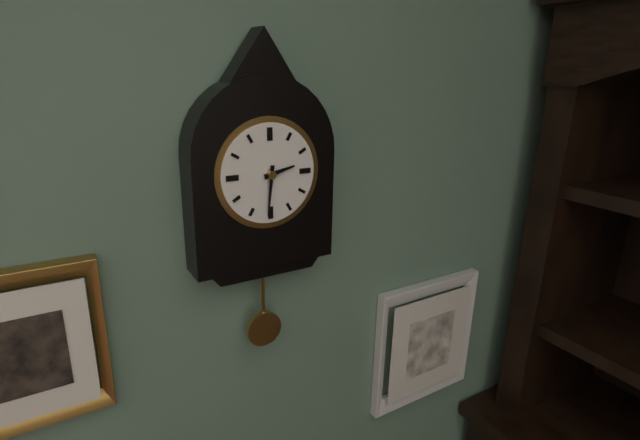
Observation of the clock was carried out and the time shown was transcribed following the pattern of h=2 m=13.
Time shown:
h=2 m=31
